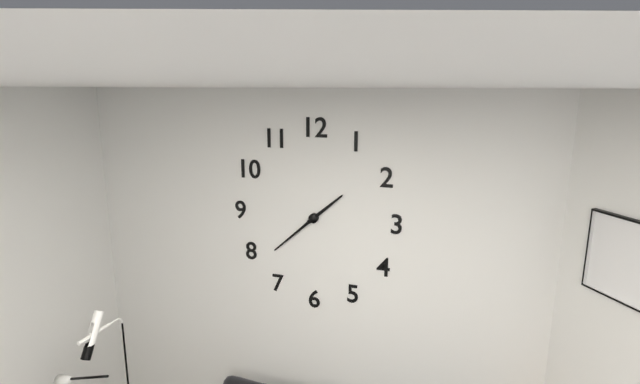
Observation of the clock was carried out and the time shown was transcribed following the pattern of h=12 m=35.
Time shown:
h=1 m=38
